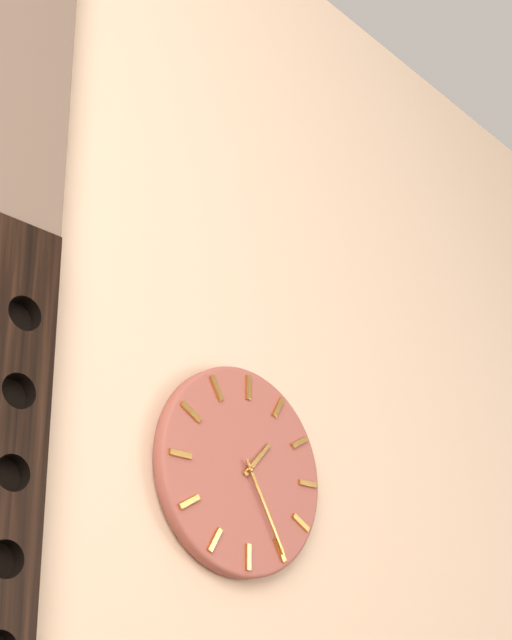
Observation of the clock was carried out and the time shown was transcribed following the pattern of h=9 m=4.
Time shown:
h=1 m=25
